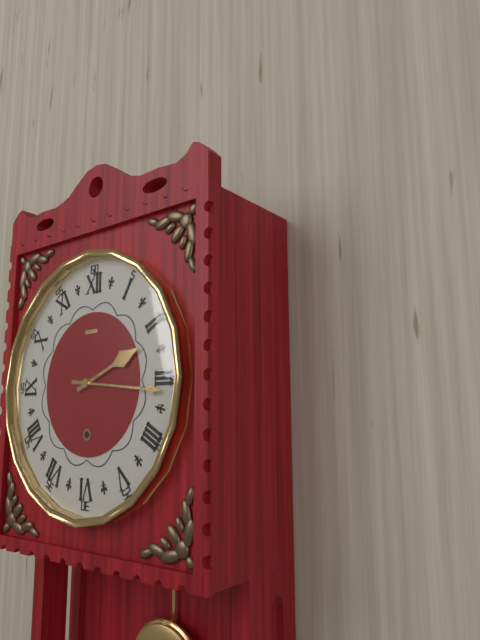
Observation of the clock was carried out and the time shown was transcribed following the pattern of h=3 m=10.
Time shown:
h=2 m=16
